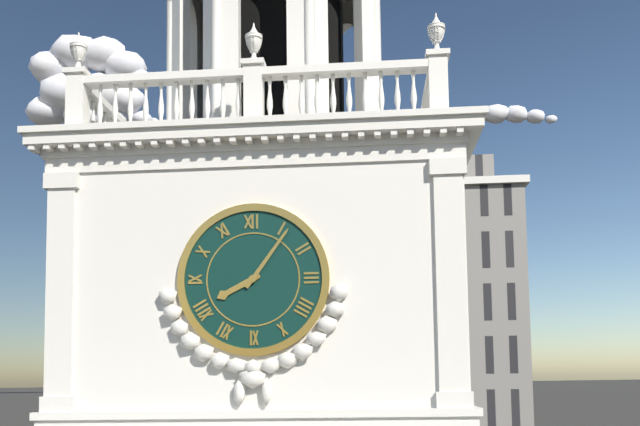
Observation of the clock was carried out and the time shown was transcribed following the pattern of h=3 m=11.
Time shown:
h=8 m=6
